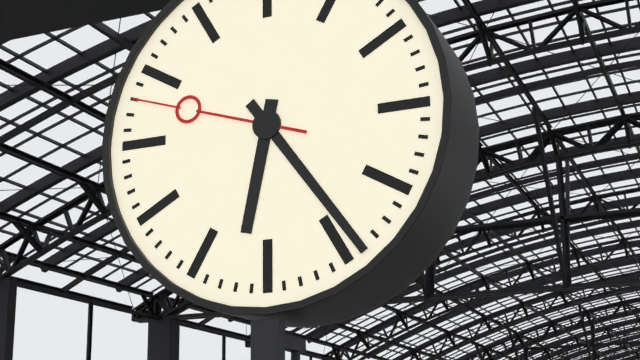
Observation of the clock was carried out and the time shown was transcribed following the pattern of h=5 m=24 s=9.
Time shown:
h=6 m=24 s=48
